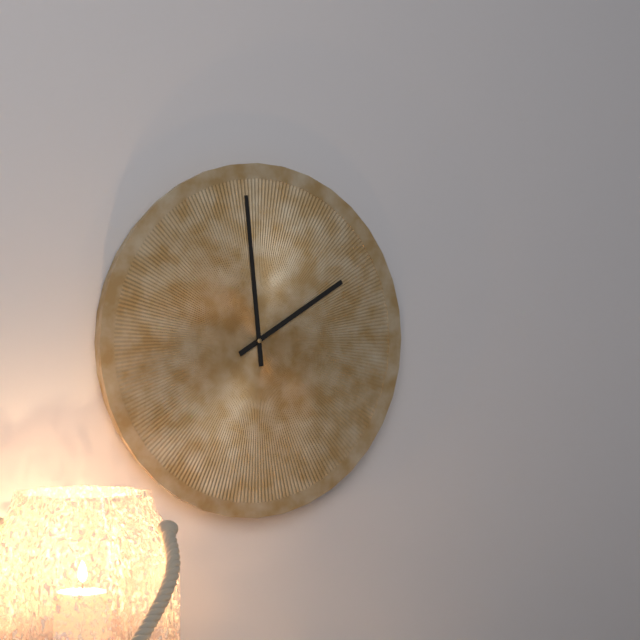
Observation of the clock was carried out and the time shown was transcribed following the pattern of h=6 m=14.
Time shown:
h=1 m=59
